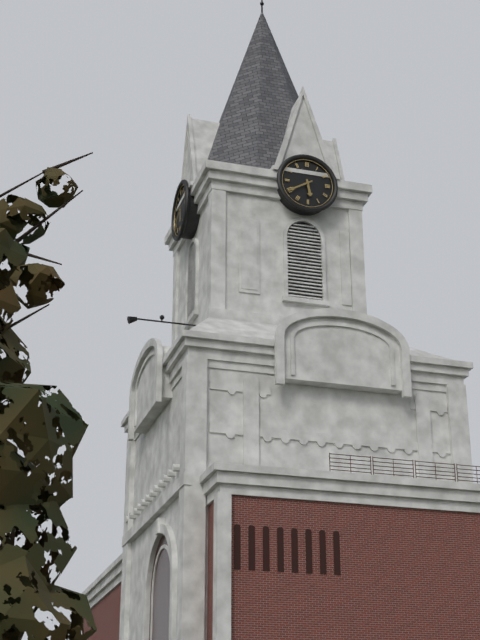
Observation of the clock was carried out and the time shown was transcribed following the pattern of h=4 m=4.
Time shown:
h=5 m=40
